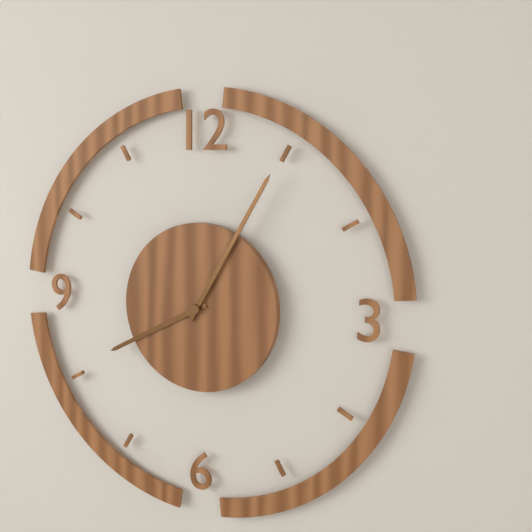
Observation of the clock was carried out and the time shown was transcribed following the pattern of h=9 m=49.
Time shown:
h=8 m=5
